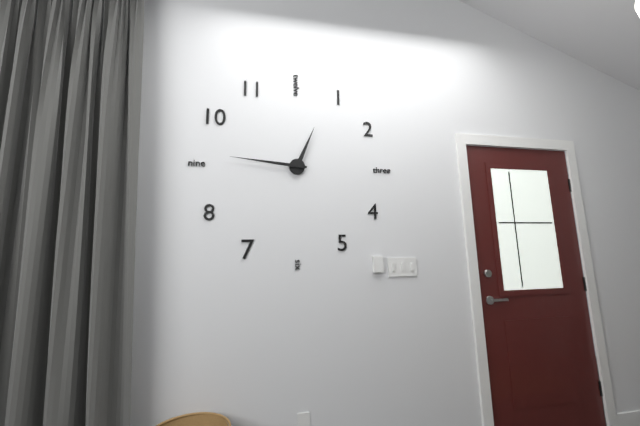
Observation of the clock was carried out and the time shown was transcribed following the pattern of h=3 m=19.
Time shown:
h=12 m=46
